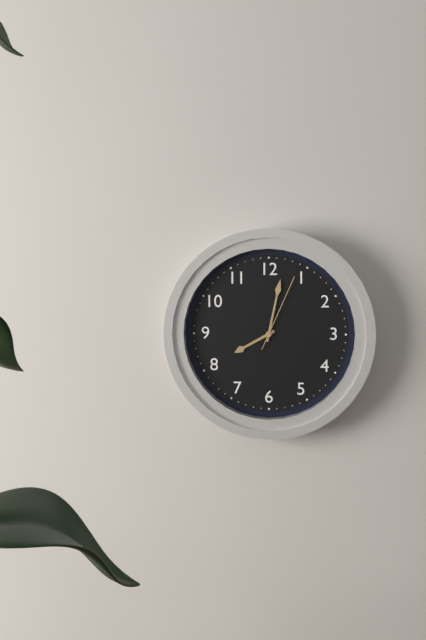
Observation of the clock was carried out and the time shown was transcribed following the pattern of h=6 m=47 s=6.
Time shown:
h=8 m=2 s=4
